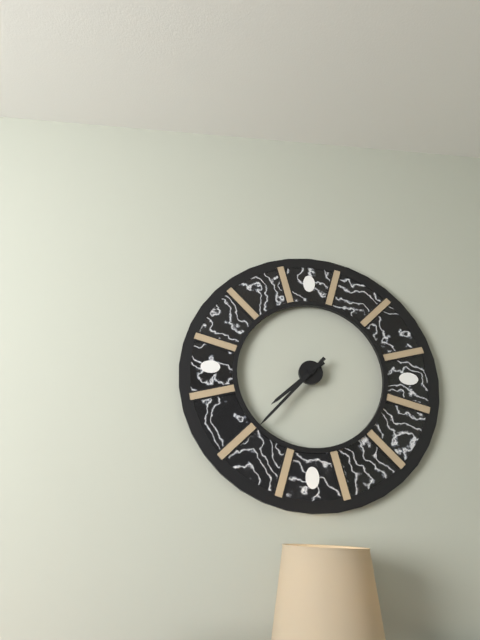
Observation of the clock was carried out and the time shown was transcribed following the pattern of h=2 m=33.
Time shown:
h=7 m=37
